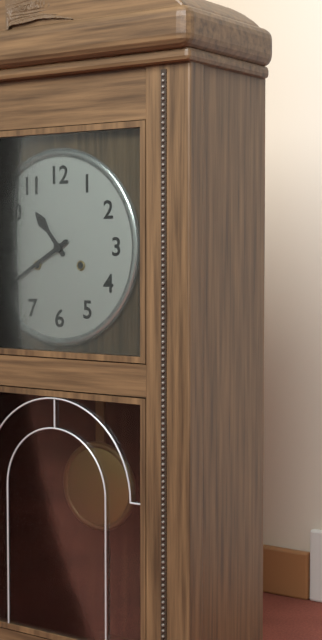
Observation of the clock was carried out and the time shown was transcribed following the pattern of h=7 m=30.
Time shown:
h=10 m=40
